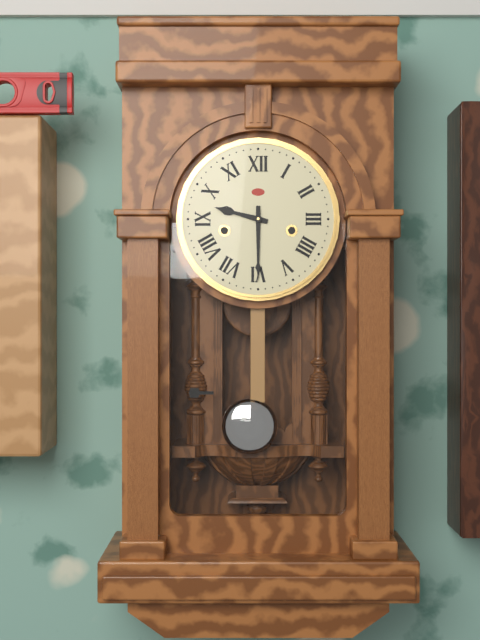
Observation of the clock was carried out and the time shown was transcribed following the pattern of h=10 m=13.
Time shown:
h=9 m=30
